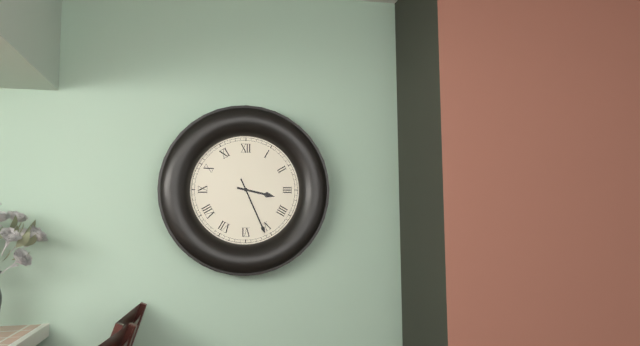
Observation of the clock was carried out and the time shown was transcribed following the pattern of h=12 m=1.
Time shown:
h=3 m=26
